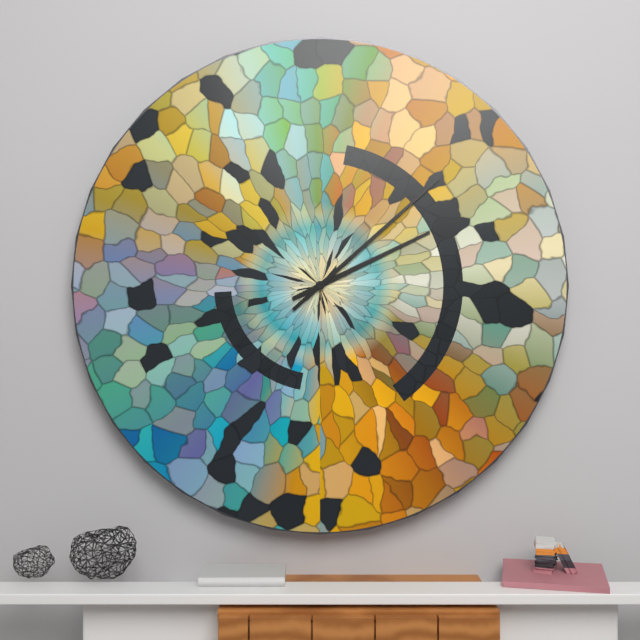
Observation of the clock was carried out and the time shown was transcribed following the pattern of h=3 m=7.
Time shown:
h=2 m=8
